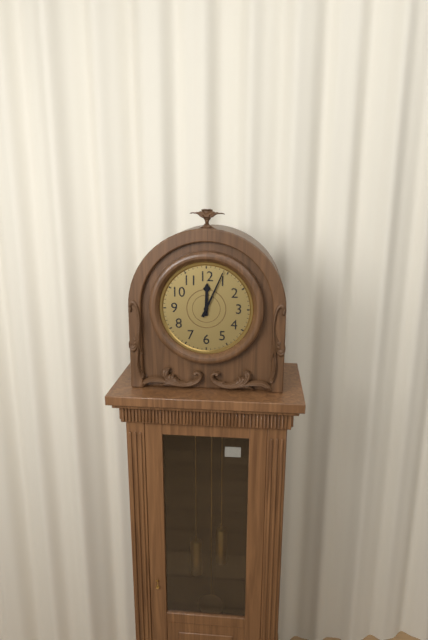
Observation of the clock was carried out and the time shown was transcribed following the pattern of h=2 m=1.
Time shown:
h=12 m=4
